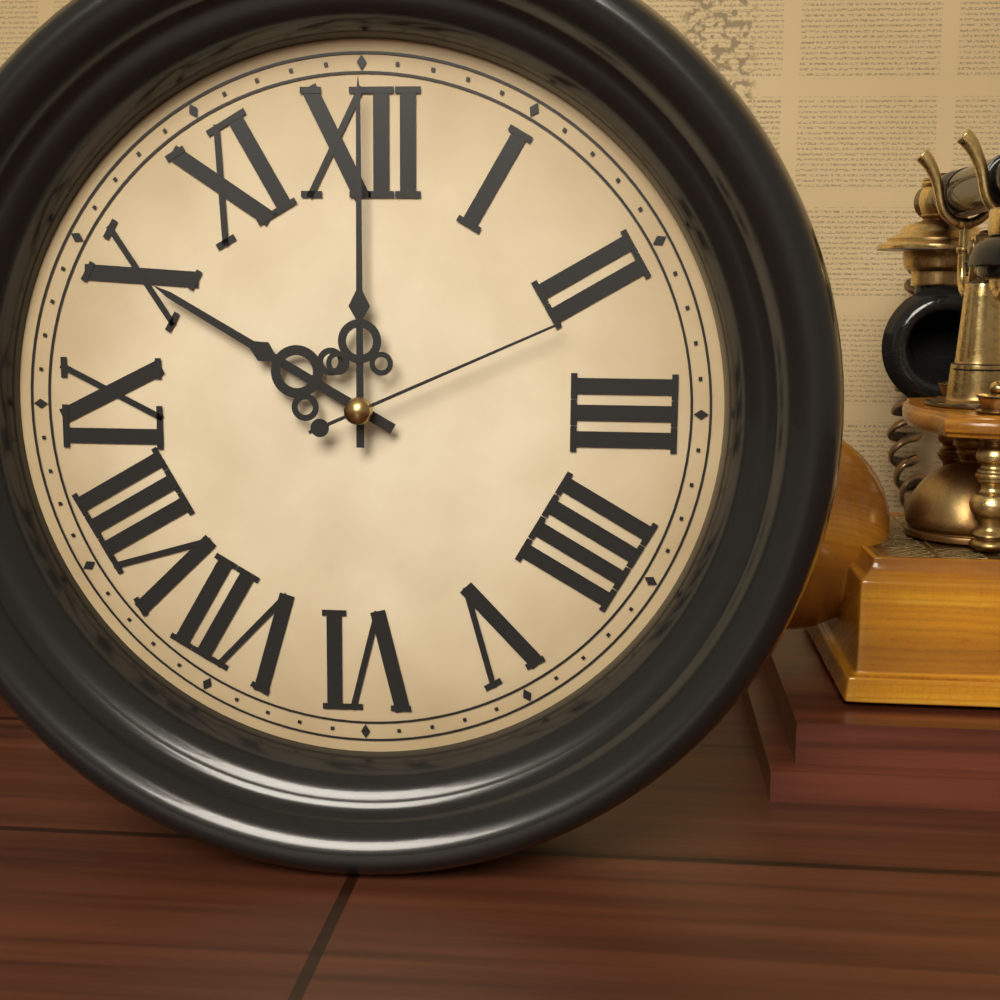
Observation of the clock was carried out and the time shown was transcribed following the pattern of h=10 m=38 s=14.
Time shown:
h=10 m=0 s=11
